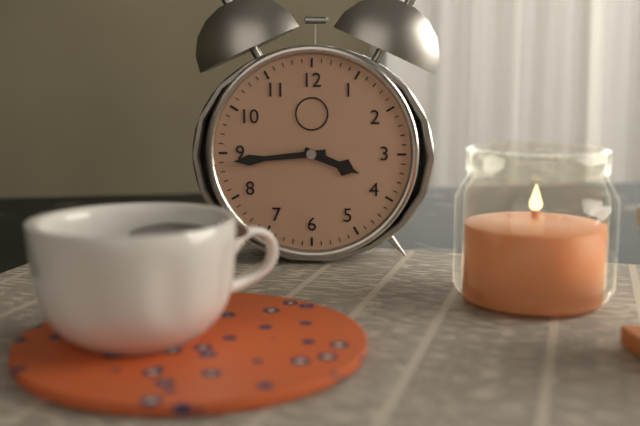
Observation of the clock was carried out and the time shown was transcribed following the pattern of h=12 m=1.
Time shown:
h=3 m=44
